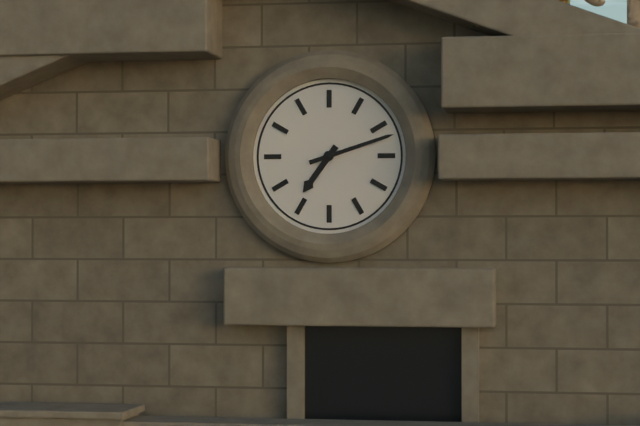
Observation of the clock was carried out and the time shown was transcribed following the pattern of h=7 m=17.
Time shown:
h=7 m=12
